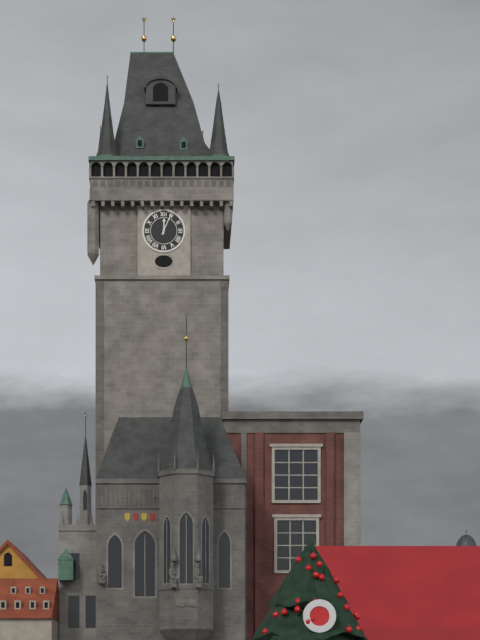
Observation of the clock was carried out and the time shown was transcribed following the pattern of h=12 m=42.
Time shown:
h=12 m=4
